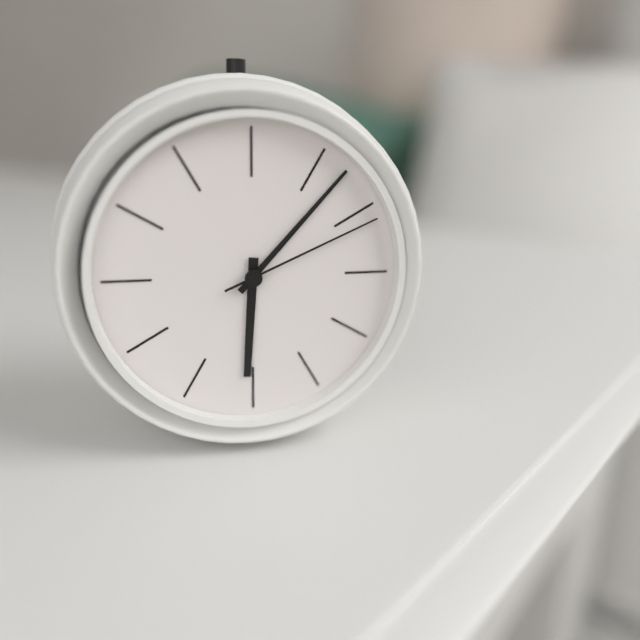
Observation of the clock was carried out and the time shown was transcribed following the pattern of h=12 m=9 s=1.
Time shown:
h=6 m=7 s=11
